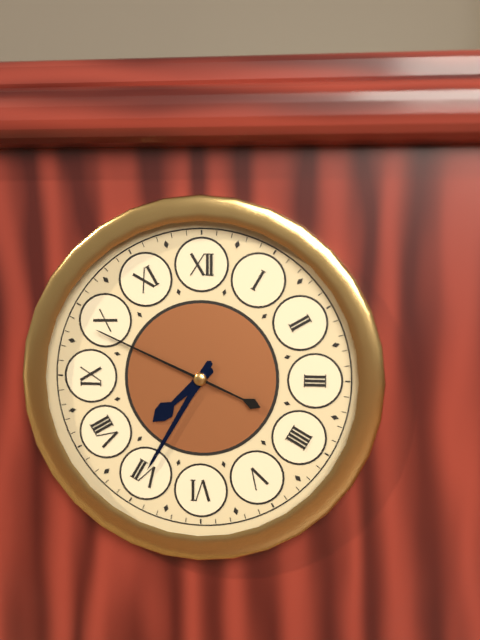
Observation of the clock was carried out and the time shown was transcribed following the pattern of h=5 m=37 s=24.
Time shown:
h=7 m=35 s=49
